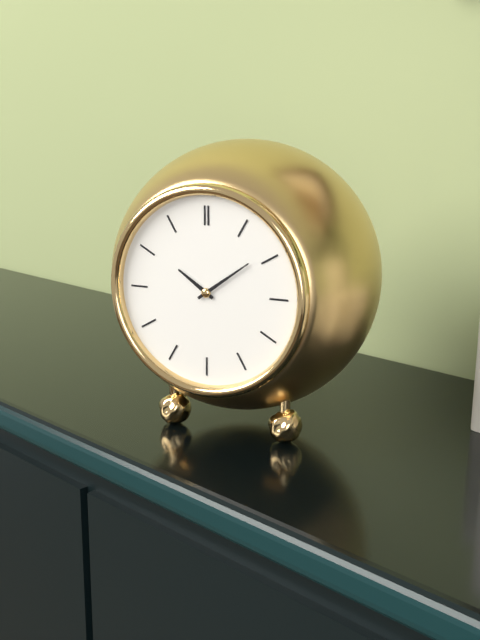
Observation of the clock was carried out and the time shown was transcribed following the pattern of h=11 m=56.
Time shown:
h=10 m=9
